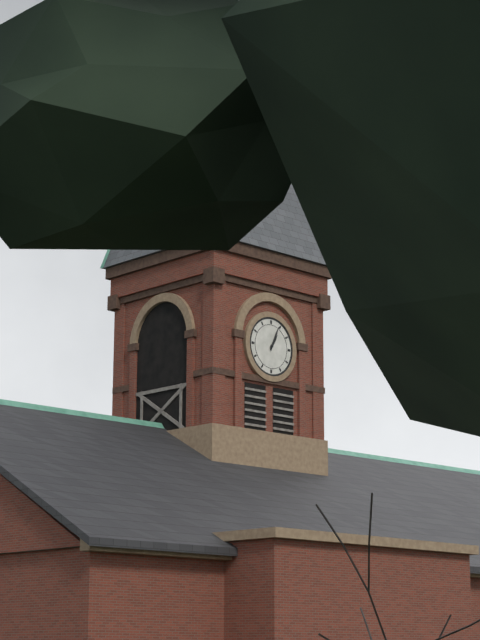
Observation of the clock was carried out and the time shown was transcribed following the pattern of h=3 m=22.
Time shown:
h=1 m=4
